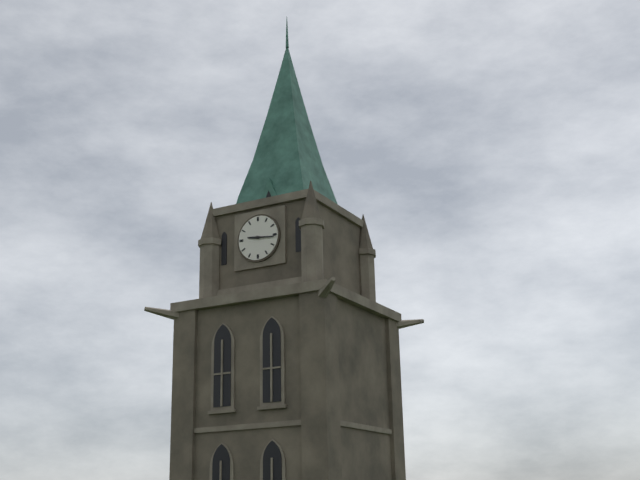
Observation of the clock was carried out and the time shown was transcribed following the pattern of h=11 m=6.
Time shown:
h=9 m=16
